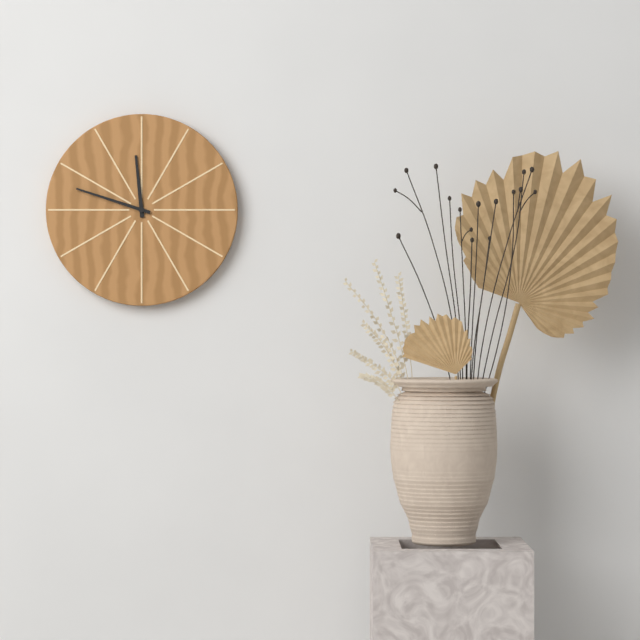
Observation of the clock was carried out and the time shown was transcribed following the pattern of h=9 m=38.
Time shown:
h=11 m=48
